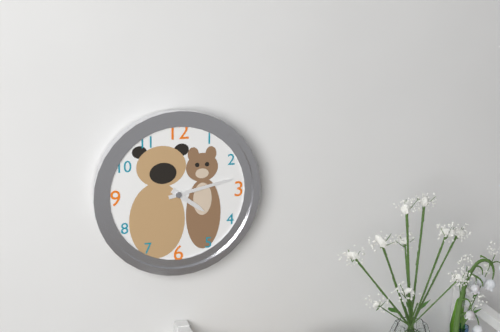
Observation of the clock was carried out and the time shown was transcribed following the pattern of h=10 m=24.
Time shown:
h=4 m=13
